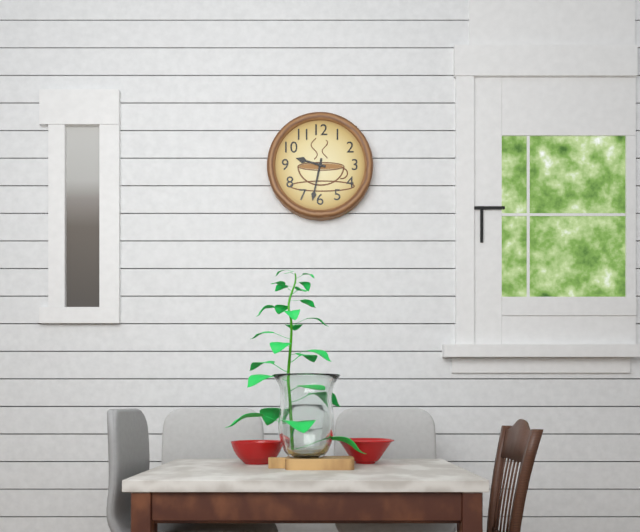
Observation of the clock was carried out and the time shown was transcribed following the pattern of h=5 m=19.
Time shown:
h=9 m=32
